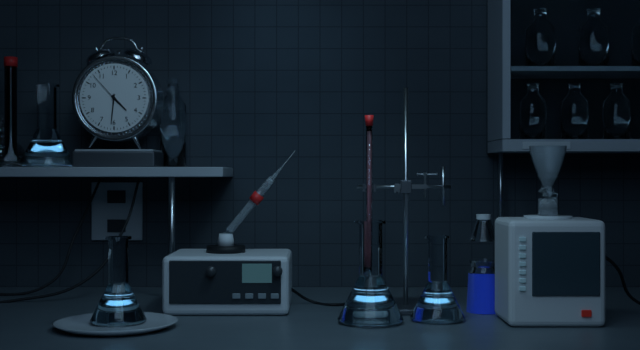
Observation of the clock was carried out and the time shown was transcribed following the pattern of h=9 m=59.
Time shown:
h=4 m=31
